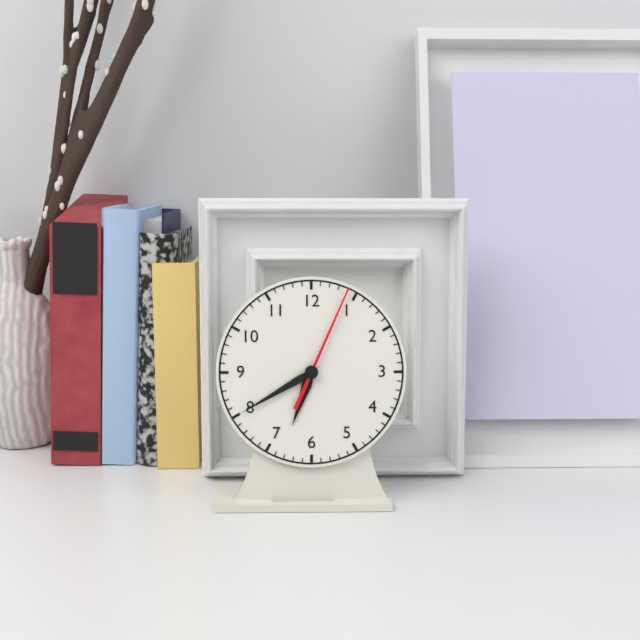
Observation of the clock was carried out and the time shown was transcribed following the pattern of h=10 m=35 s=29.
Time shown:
h=6 m=40 s=4
